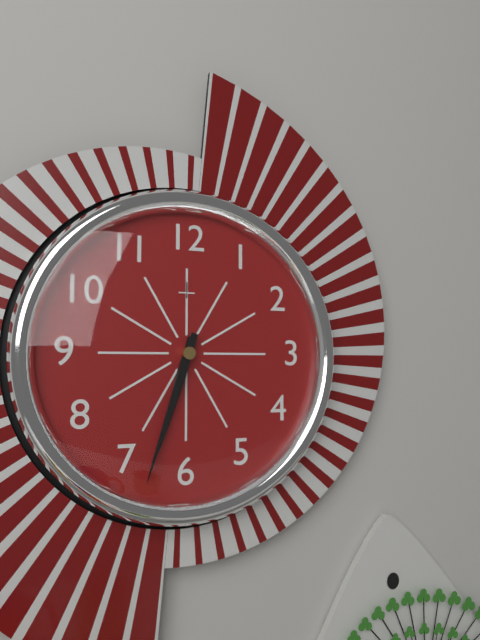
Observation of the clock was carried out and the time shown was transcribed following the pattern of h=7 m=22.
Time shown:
h=6 m=33
